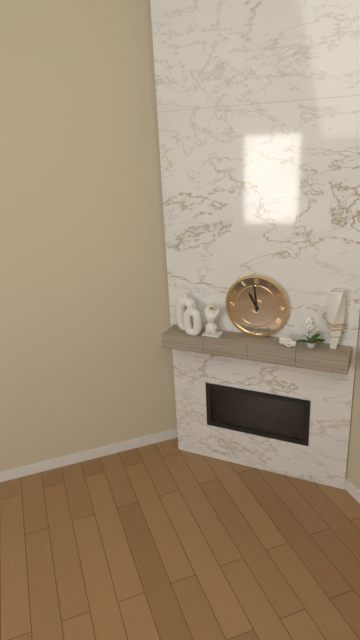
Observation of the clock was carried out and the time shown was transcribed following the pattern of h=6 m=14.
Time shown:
h=10 m=59
